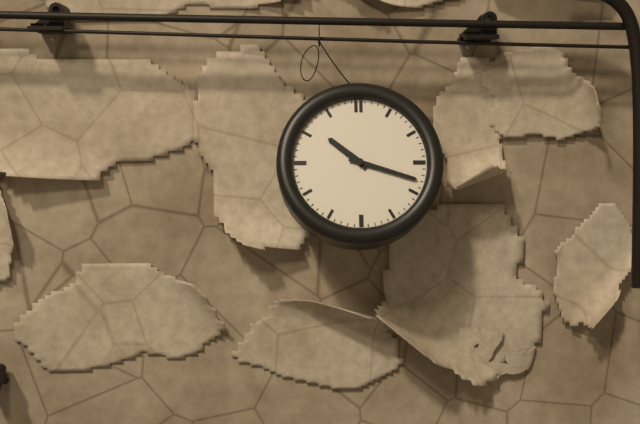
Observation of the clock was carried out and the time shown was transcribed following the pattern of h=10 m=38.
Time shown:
h=10 m=18
